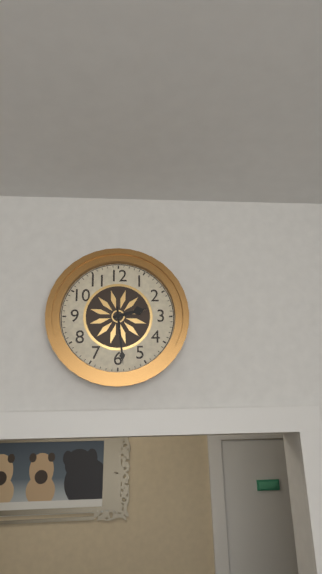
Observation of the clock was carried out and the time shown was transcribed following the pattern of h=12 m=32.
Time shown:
h=2 m=29
